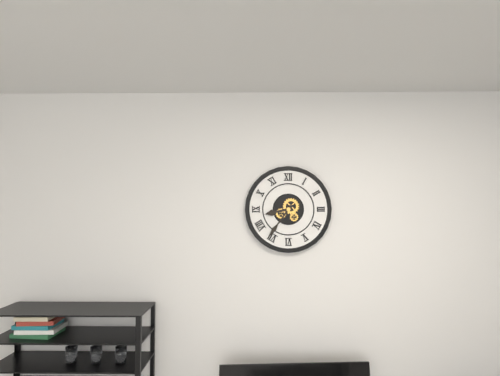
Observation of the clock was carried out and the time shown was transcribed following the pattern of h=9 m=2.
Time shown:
h=8 m=36
